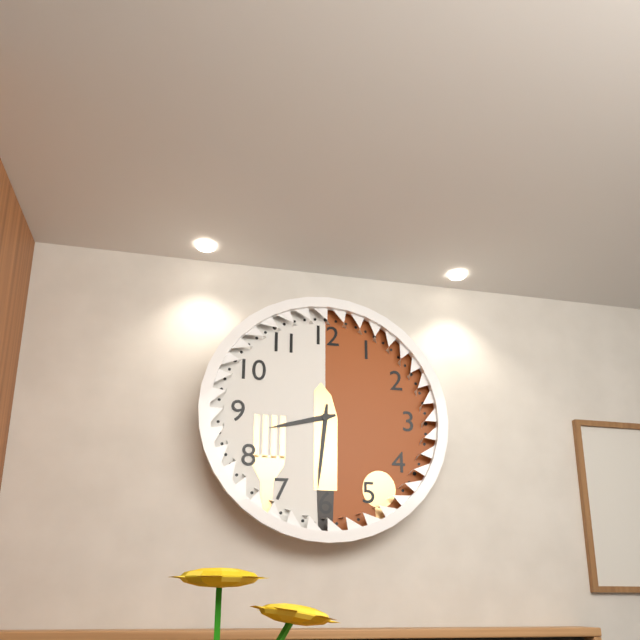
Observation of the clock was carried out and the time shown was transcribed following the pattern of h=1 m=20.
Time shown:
h=8 m=31
